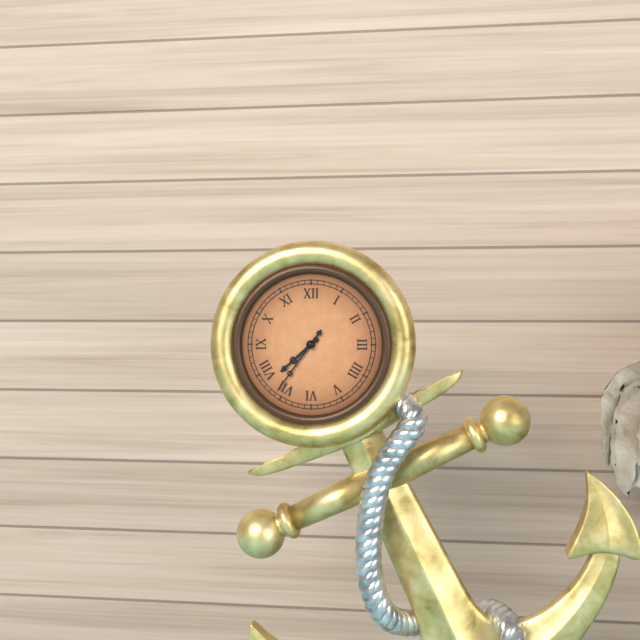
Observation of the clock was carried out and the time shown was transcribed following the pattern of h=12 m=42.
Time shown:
h=7 m=36
